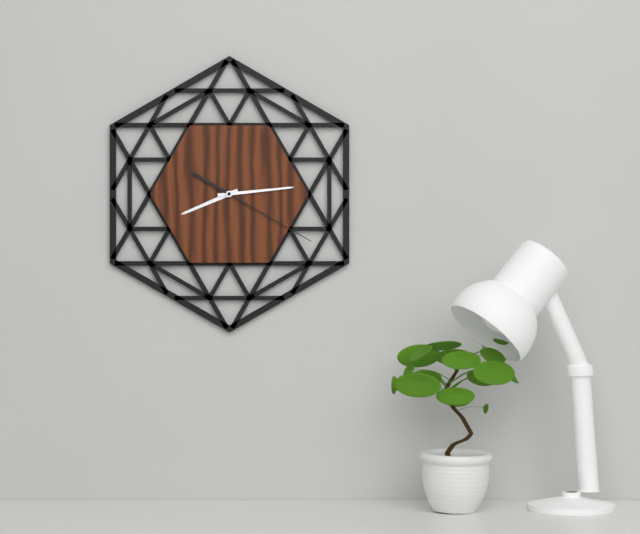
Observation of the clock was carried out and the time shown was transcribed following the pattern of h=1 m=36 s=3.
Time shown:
h=8 m=14 s=20
